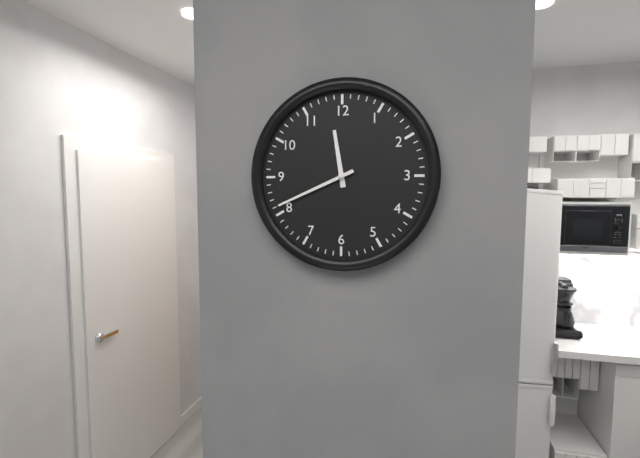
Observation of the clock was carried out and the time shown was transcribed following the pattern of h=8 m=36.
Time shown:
h=11 m=41
